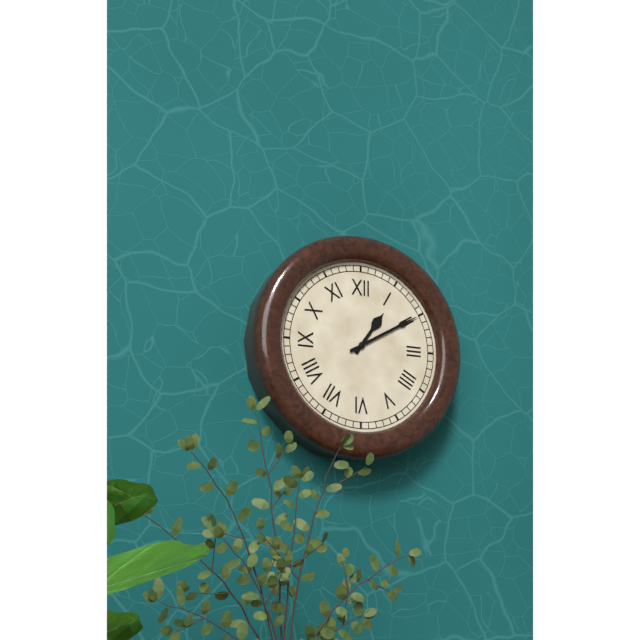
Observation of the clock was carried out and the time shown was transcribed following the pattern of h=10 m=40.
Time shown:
h=1 m=10
